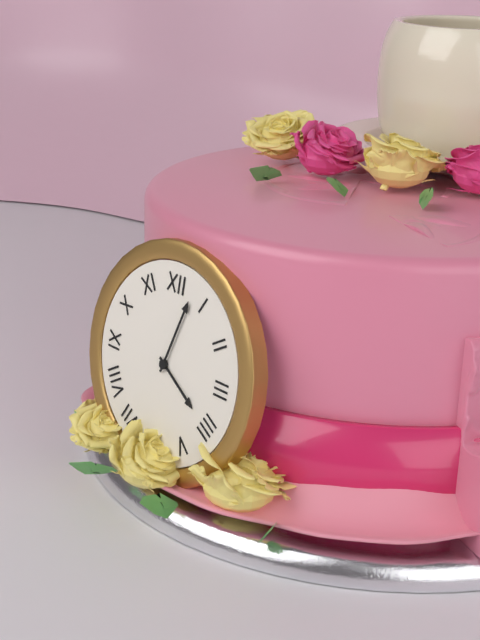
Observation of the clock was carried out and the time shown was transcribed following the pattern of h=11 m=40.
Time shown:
h=4 m=3
